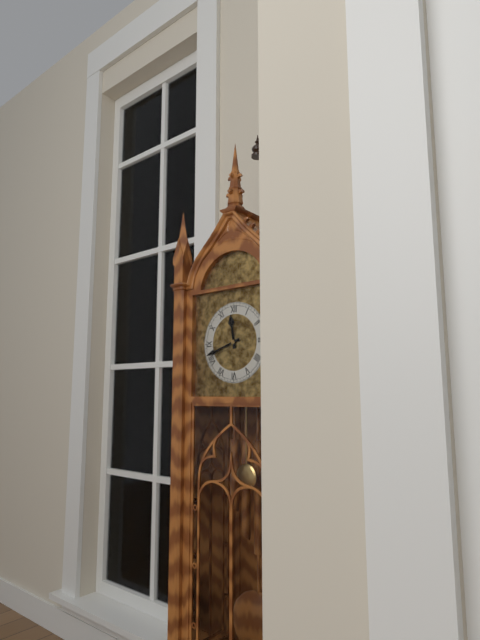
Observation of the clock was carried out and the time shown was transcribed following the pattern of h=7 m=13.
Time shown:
h=11 m=42
